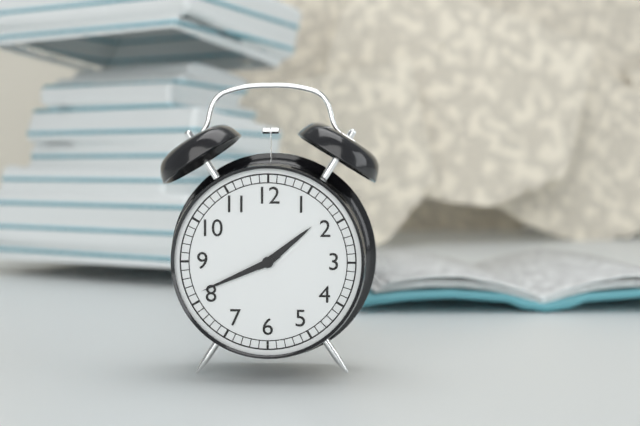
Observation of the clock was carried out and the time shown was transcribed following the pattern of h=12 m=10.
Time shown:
h=1 m=41
